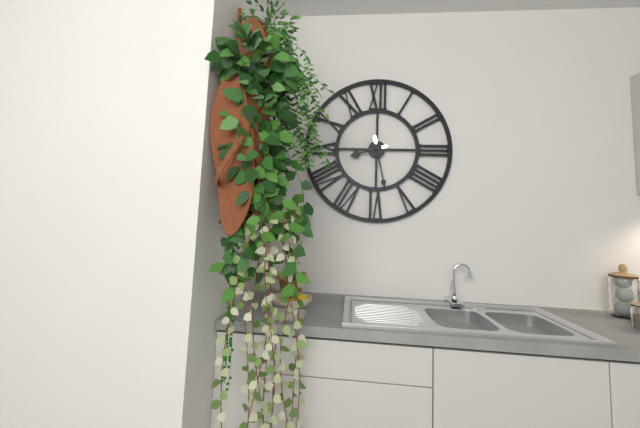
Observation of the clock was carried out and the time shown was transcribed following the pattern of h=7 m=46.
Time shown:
h=8 m=28
